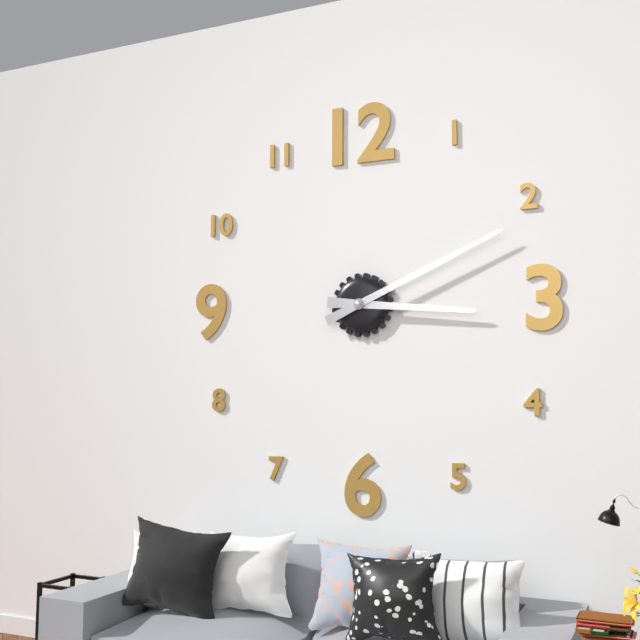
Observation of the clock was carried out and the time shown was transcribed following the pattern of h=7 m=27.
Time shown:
h=3 m=11
